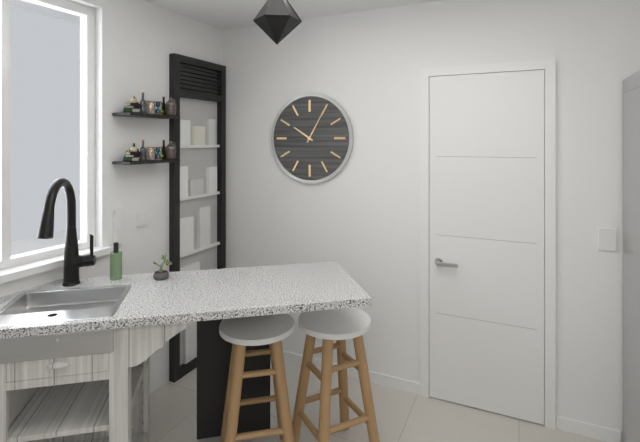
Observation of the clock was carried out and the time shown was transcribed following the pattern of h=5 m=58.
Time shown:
h=10 m=5
